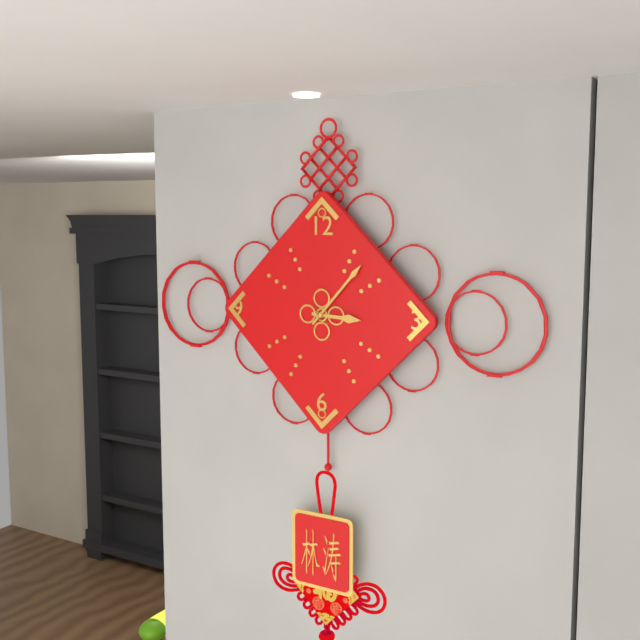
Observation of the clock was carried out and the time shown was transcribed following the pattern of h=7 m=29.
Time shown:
h=3 m=7
